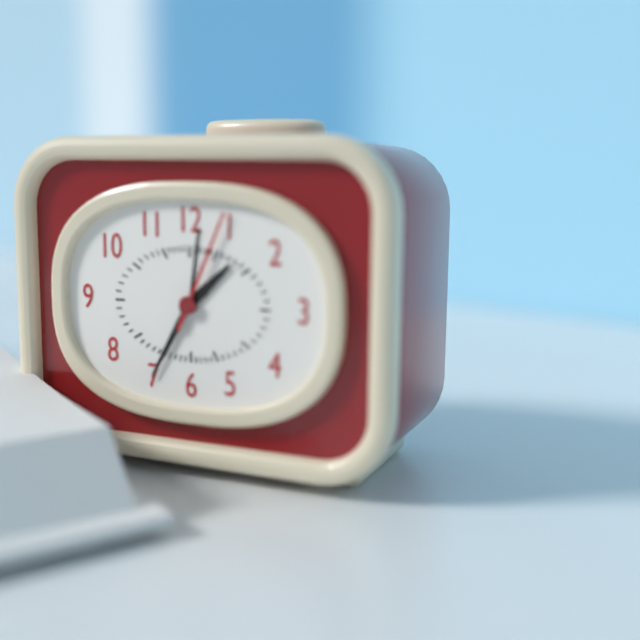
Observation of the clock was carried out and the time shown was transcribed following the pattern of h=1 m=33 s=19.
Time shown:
h=1 m=35 s=4
